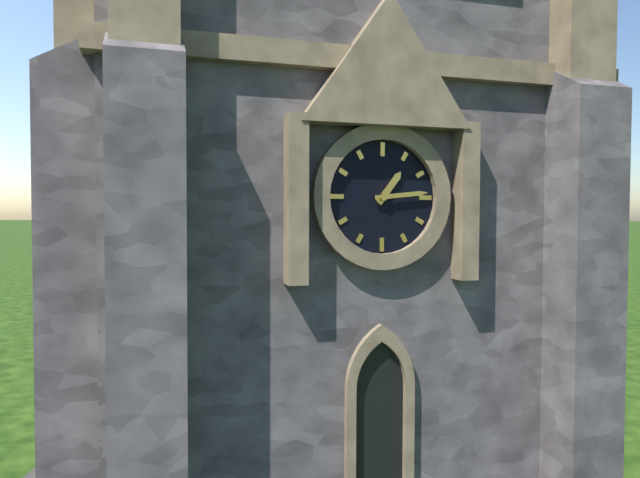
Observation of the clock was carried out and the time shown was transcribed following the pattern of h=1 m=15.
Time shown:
h=1 m=14
